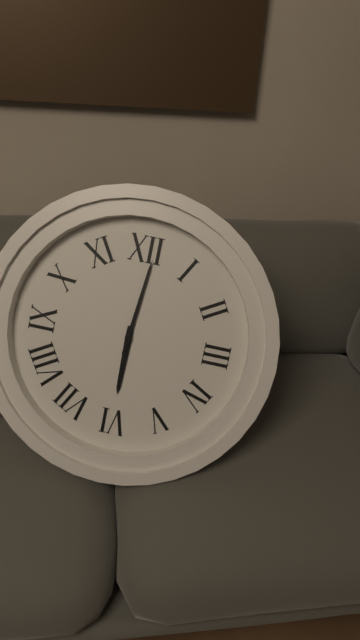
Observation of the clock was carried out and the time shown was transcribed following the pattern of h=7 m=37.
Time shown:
h=6 m=1
